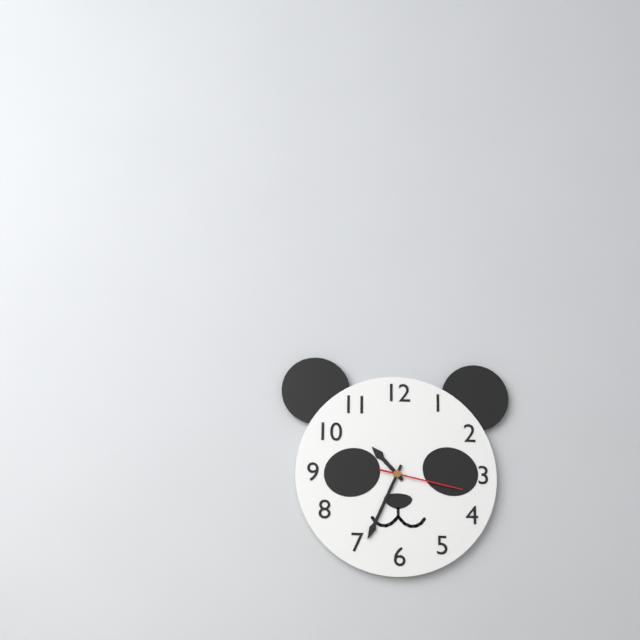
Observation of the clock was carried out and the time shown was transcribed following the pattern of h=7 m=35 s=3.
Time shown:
h=10 m=34 s=17
